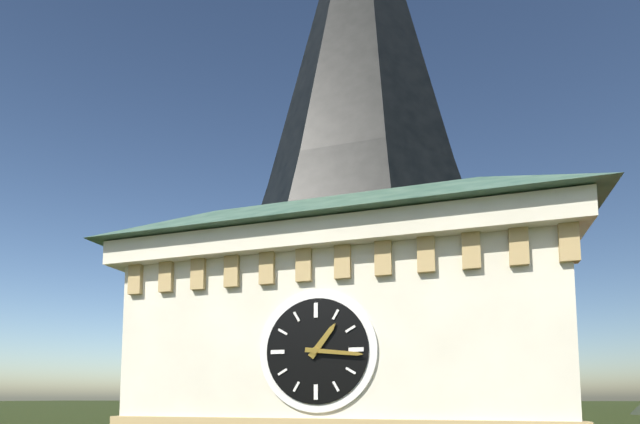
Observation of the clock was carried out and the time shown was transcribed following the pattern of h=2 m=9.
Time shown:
h=1 m=16
